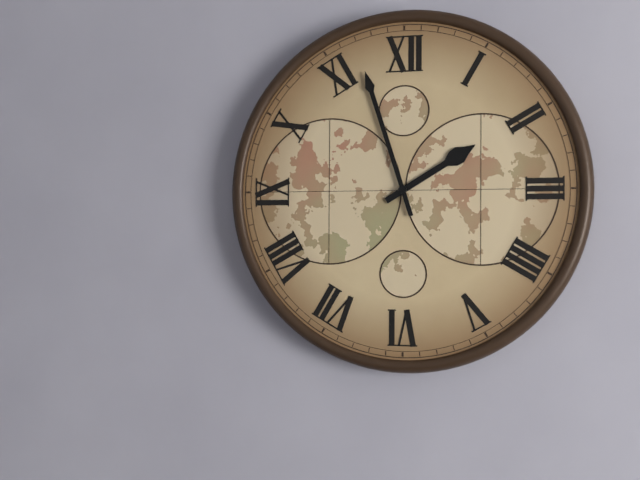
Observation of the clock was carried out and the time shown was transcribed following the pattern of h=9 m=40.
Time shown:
h=1 m=57
